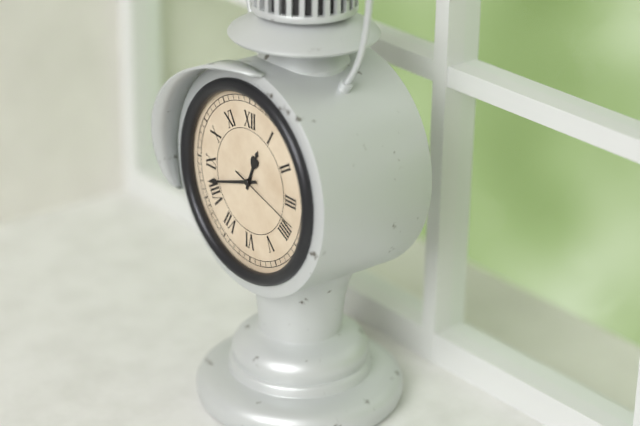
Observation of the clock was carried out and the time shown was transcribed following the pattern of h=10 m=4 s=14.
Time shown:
h=12 m=42 s=18
